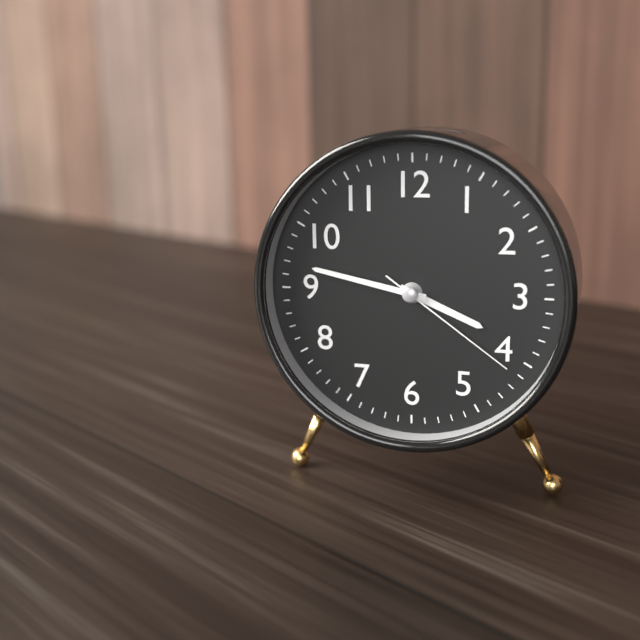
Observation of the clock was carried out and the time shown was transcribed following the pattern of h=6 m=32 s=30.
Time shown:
h=3 m=47 s=21
